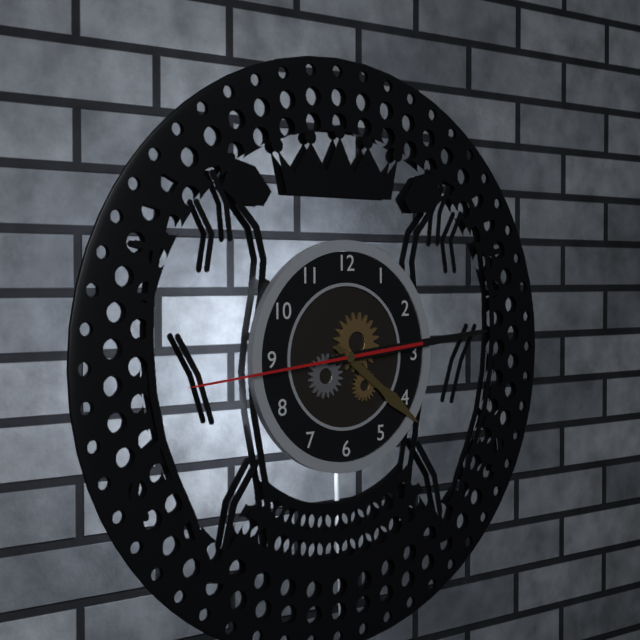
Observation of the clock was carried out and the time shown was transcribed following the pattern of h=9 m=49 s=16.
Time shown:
h=4 m=14 s=44
